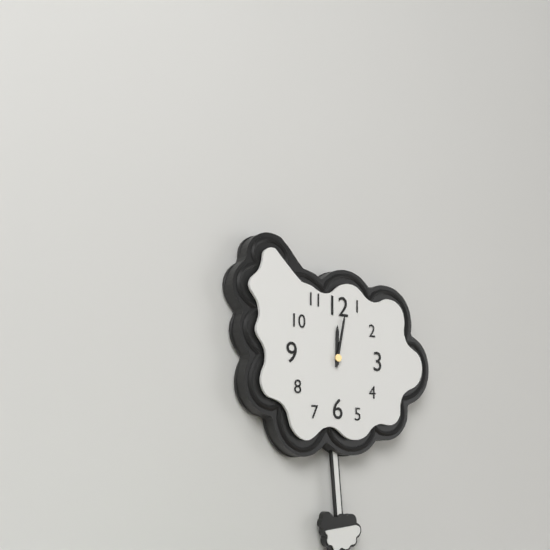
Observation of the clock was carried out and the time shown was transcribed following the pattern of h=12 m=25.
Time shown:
h=12 m=2
